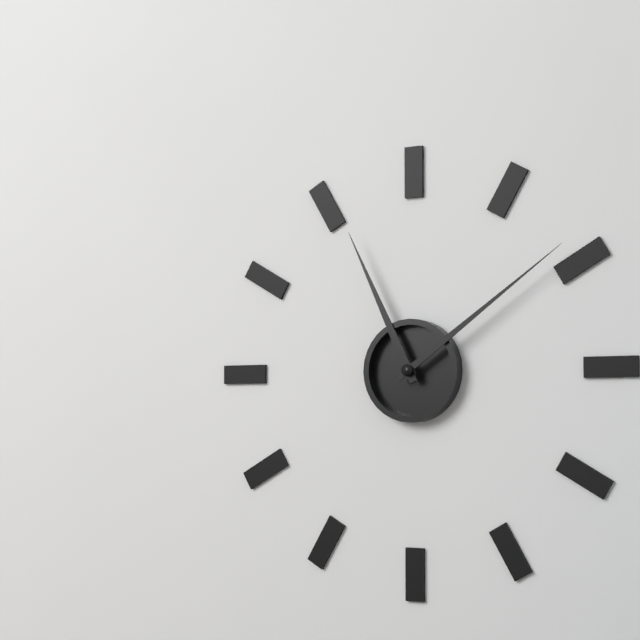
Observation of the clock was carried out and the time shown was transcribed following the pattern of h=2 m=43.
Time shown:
h=11 m=9
